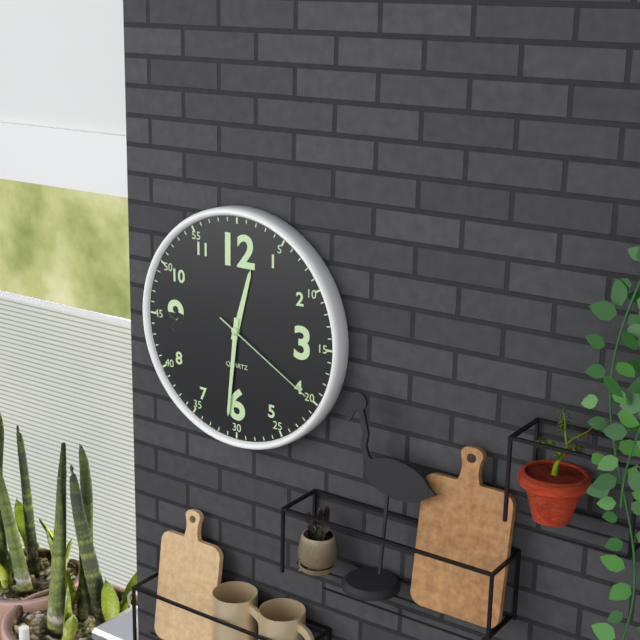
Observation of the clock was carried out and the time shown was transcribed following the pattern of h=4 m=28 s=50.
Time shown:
h=12 m=31 s=20
